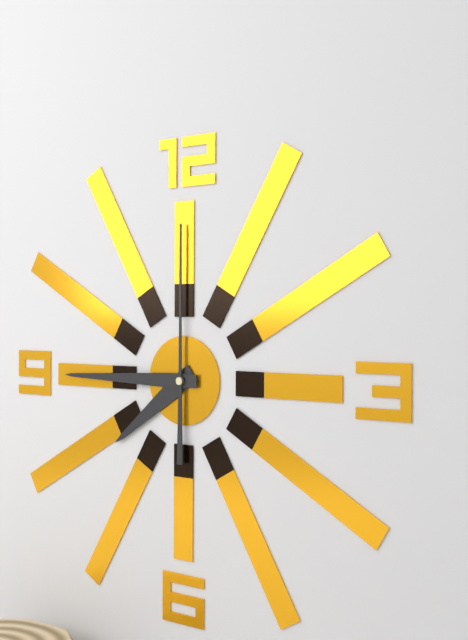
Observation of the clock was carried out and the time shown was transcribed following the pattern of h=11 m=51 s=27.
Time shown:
h=7 m=45 s=0
